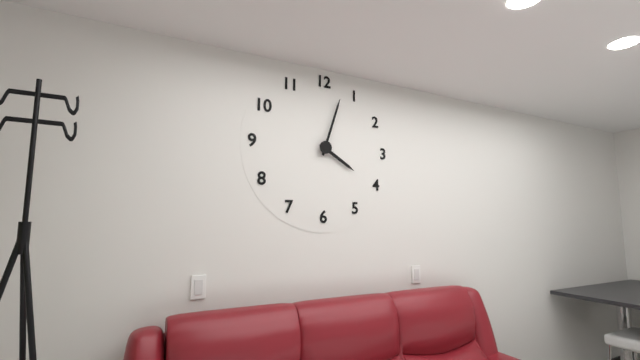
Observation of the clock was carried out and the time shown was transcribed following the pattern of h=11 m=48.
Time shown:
h=4 m=3
